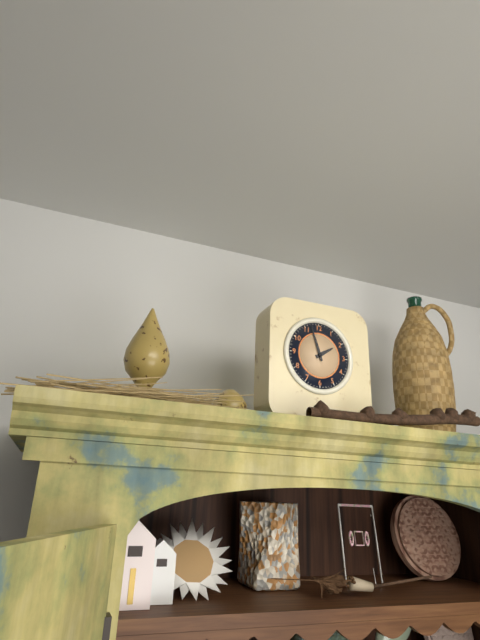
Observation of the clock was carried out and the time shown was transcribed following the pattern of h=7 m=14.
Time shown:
h=1 m=57
